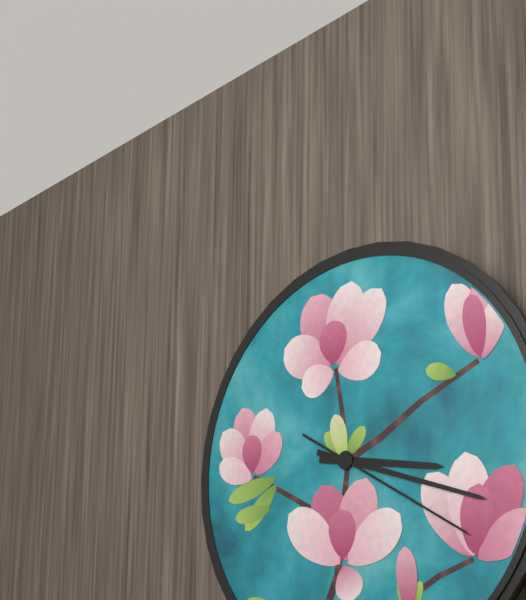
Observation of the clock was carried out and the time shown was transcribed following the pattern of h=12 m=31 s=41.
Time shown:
h=3 m=18 s=20
